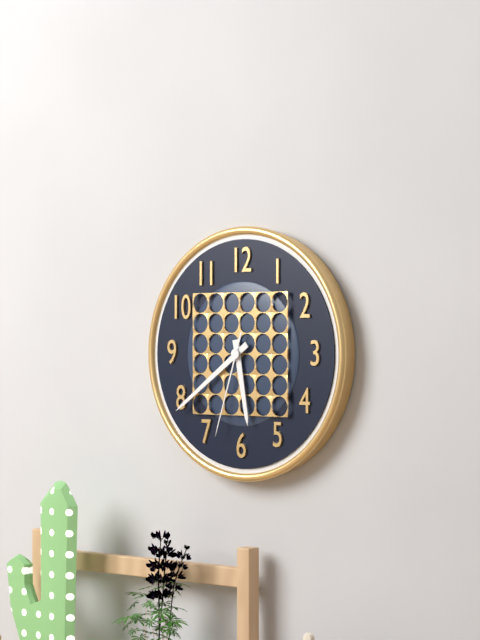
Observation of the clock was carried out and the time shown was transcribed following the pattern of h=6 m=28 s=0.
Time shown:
h=5 m=39 s=33
